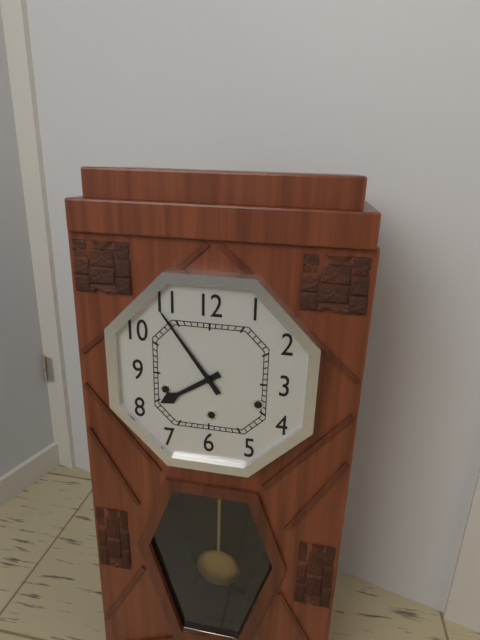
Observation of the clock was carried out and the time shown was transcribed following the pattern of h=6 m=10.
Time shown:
h=7 m=54
